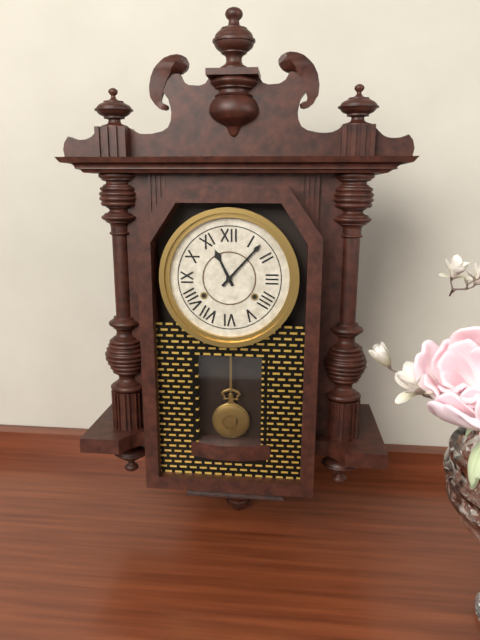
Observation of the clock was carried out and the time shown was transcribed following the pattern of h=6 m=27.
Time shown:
h=11 m=7
